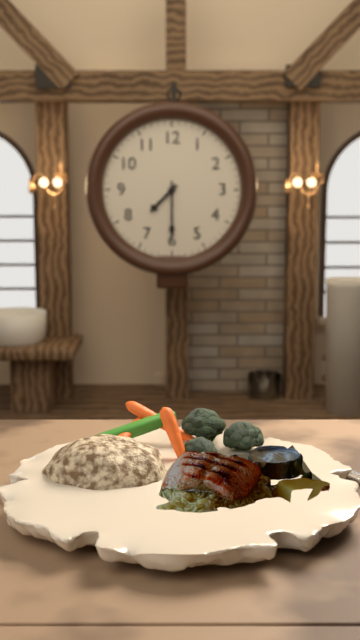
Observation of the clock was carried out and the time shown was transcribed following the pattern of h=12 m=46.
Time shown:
h=7 m=30
